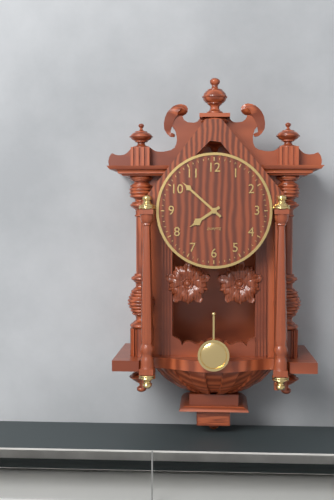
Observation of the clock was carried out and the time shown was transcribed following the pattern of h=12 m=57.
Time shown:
h=7 m=52
